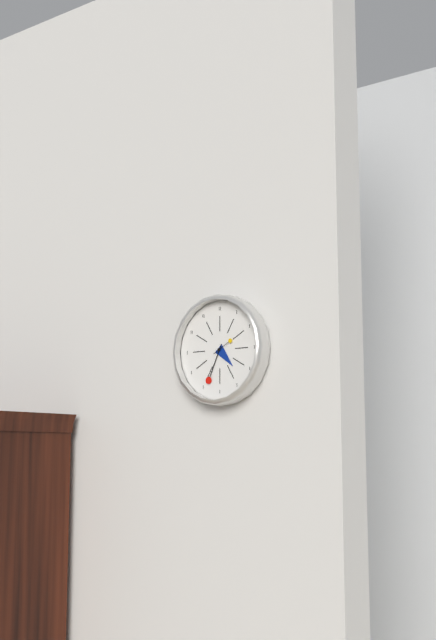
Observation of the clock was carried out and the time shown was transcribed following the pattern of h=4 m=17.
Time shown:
h=4 m=34
